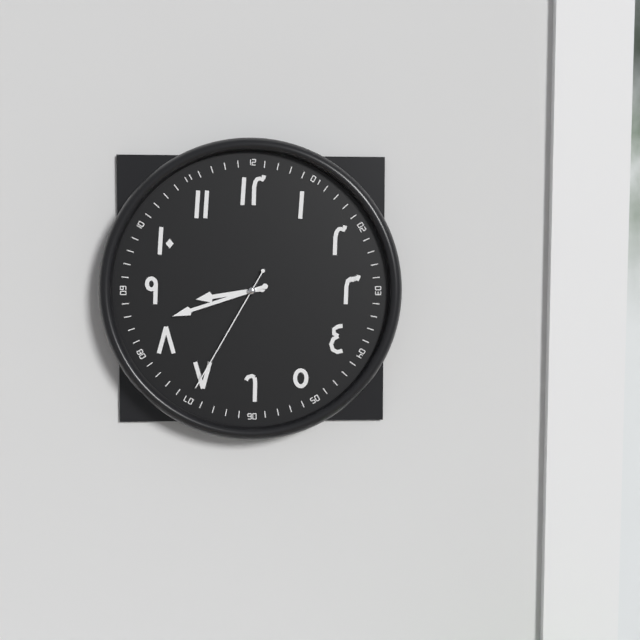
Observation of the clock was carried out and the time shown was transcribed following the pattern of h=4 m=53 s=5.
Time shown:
h=8 m=42 s=35
